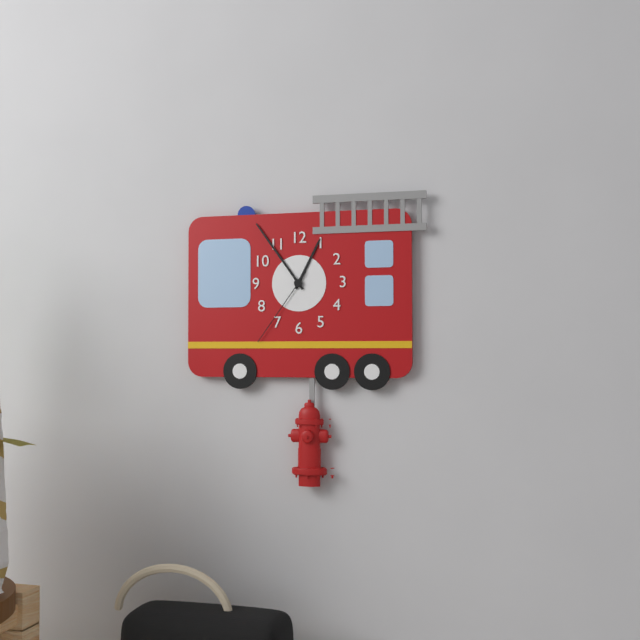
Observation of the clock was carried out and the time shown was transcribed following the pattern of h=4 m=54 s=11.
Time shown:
h=12 m=54 s=36
